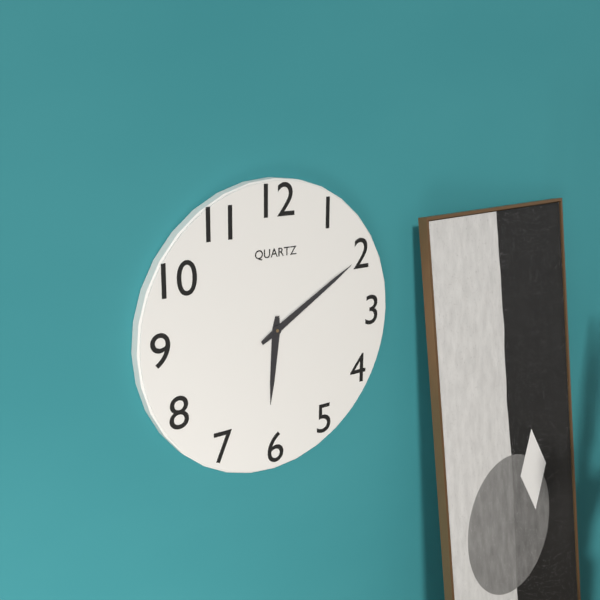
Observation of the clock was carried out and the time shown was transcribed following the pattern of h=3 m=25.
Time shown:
h=6 m=10
